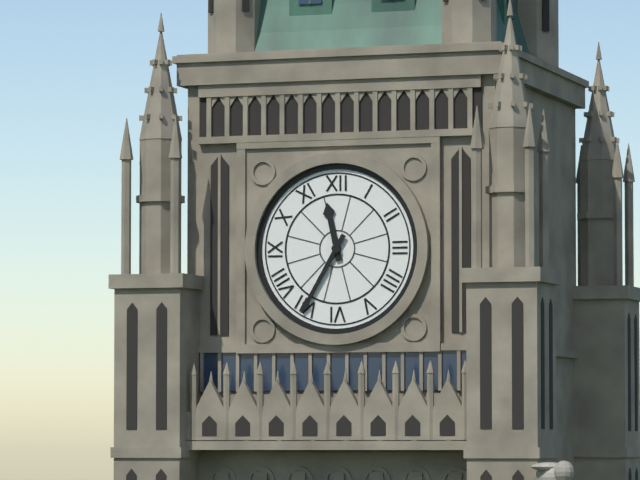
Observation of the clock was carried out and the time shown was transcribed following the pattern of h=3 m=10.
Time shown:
h=11 m=35
